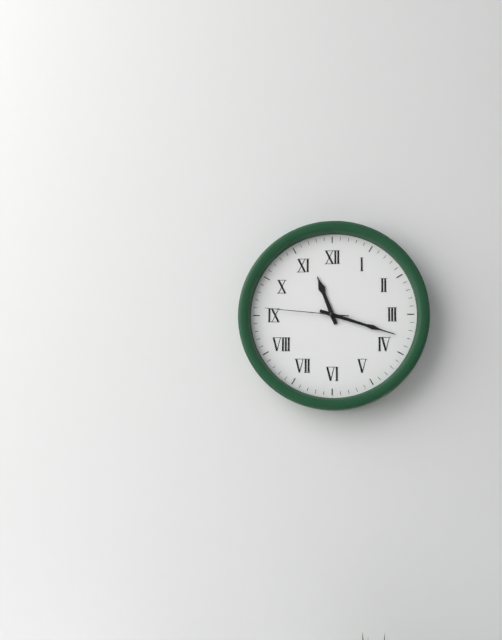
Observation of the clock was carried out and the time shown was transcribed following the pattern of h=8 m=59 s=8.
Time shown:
h=11 m=18 s=46
